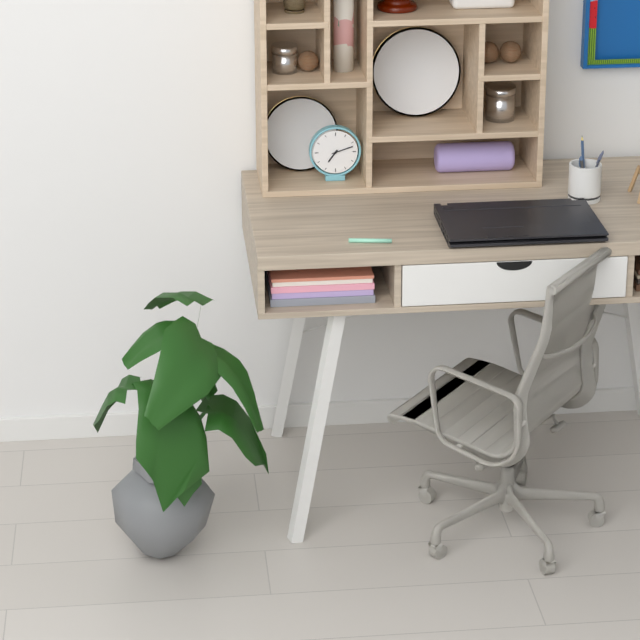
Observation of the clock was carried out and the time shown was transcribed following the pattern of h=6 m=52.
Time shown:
h=7 m=12
